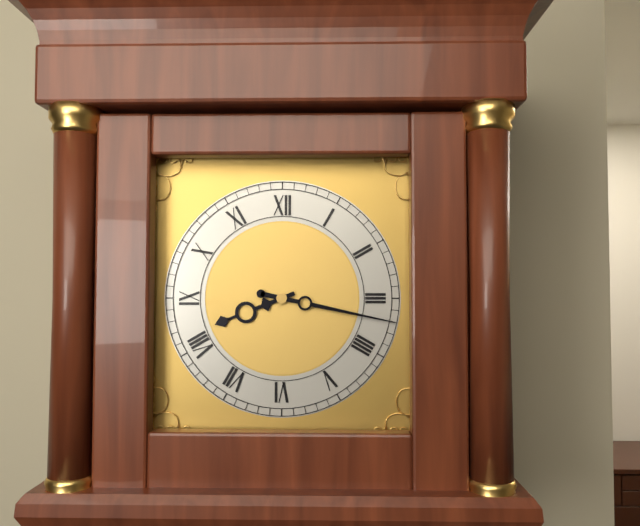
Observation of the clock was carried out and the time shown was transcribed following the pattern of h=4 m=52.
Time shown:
h=8 m=17
